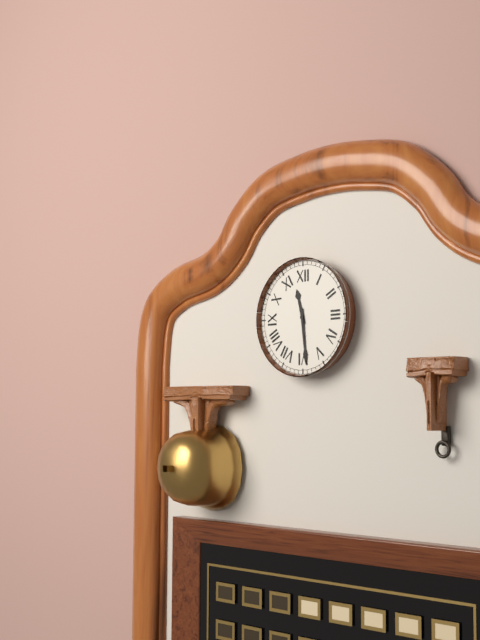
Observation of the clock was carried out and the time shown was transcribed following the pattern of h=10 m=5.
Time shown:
h=11 m=29
